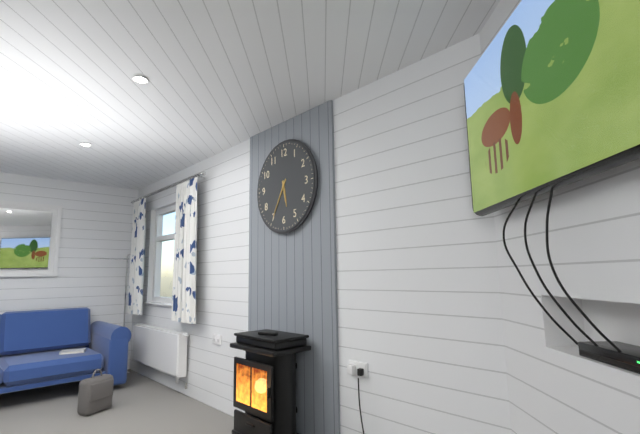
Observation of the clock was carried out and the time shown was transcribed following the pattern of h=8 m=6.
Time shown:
h=5 m=35
